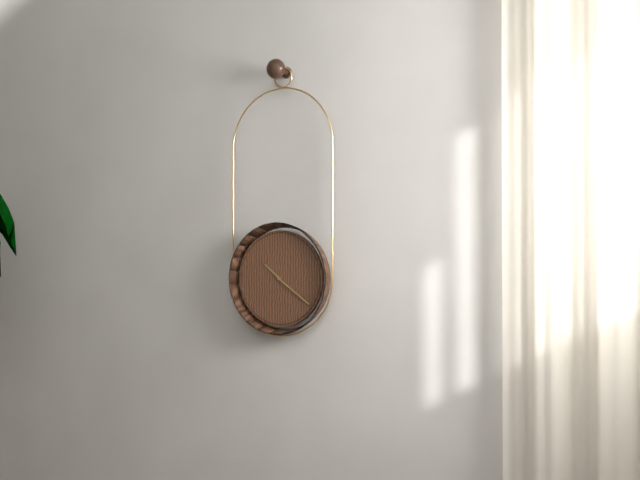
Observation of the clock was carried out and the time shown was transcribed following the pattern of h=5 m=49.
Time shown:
h=10 m=21
